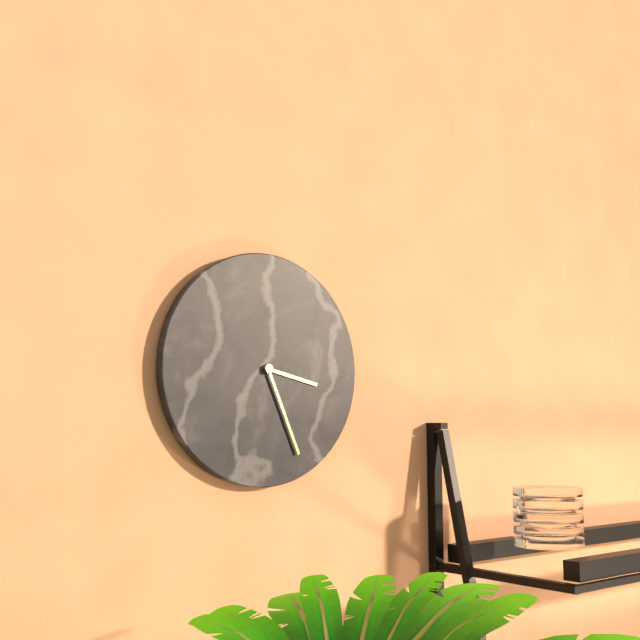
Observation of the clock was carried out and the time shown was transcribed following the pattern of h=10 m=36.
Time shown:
h=3 m=26
